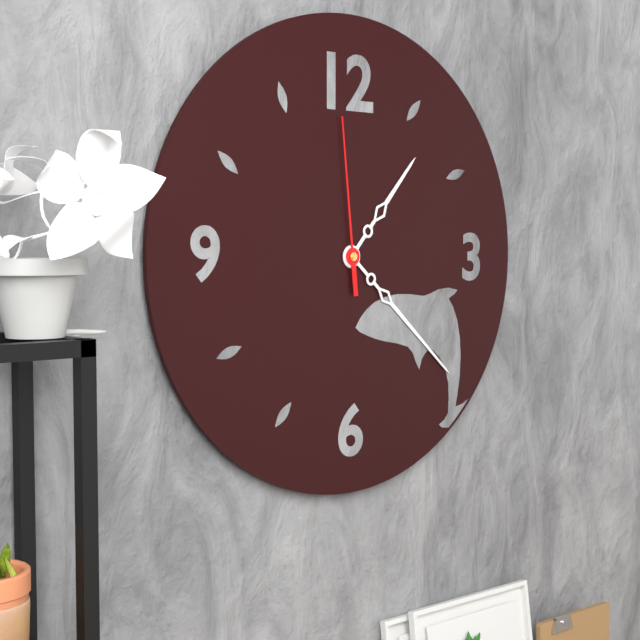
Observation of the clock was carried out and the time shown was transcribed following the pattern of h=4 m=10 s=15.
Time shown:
h=1 m=22 s=59
